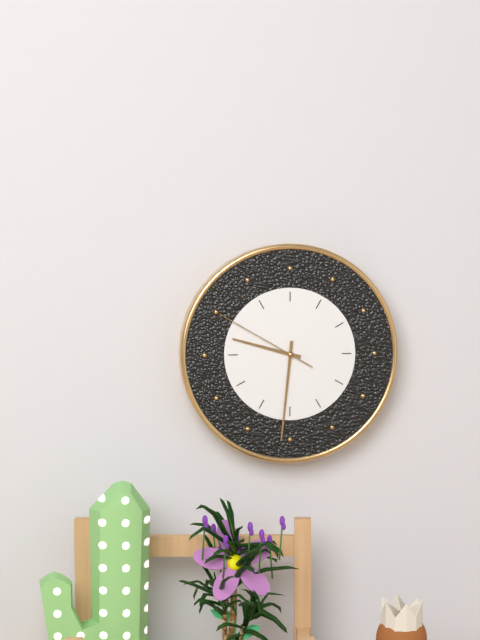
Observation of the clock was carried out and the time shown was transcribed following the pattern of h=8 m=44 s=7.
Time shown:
h=9 m=31 s=50
